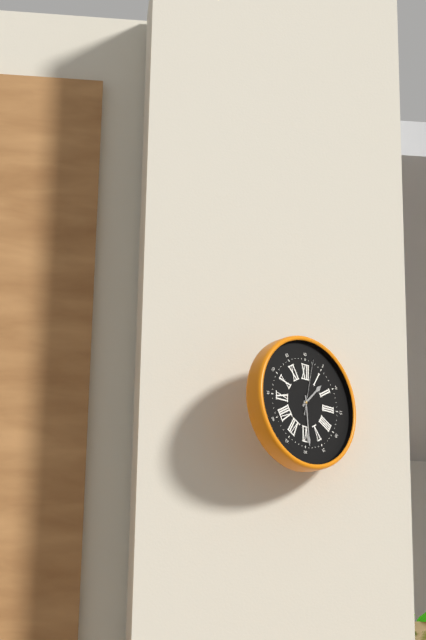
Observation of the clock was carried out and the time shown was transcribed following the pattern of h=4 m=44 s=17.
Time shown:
h=1 m=29 s=2
